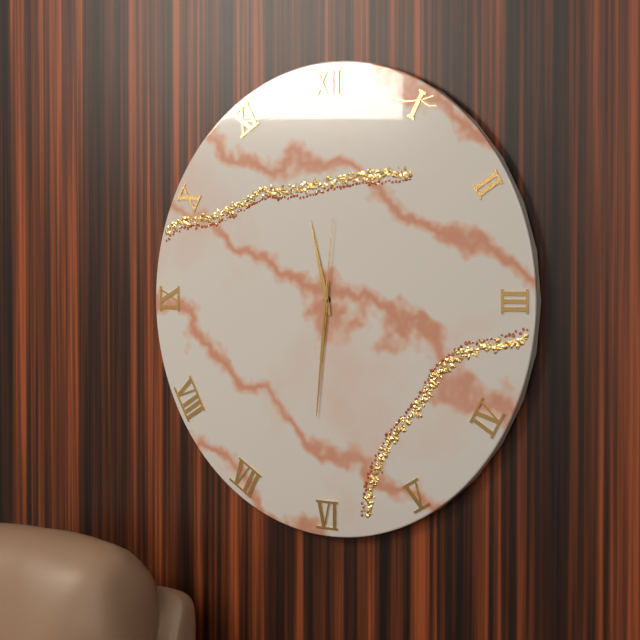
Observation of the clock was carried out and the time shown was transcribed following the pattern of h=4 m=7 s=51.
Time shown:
h=11 m=31 s=1
